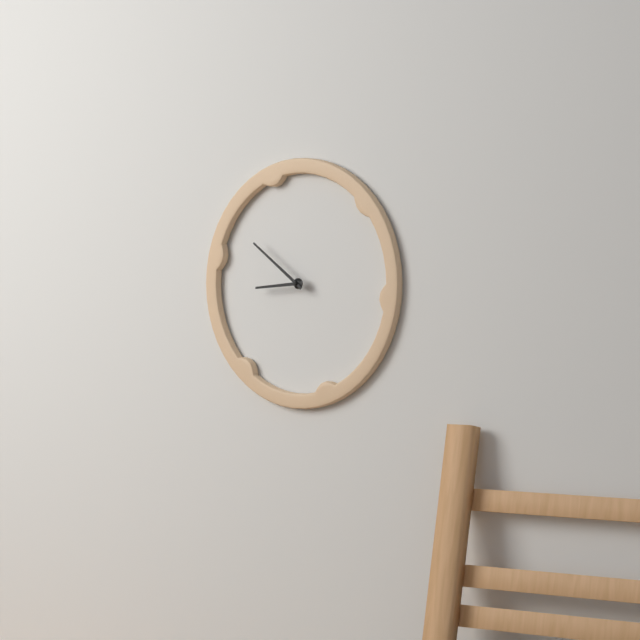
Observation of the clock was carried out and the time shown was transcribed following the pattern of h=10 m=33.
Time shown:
h=8 m=51
